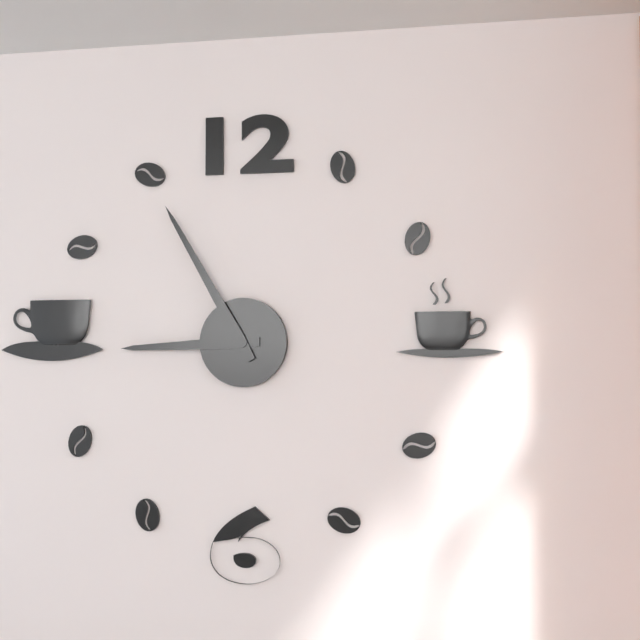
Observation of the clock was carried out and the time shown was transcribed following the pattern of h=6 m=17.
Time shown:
h=8 m=55
